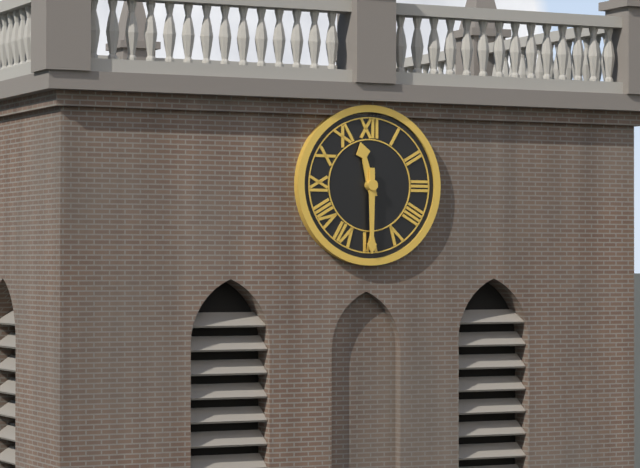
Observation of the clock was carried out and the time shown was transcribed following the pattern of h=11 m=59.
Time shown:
h=11 m=30
